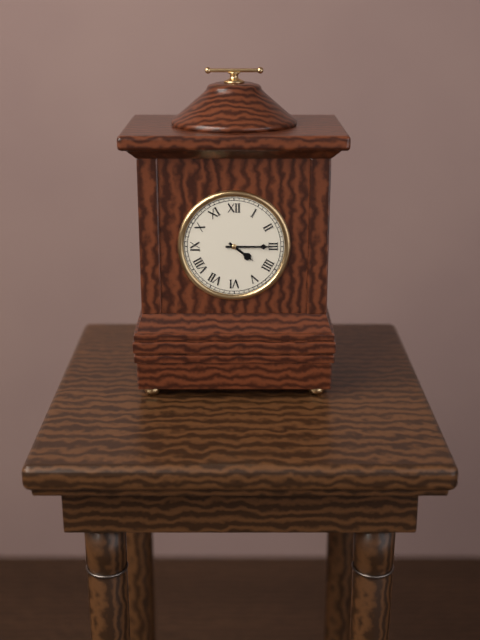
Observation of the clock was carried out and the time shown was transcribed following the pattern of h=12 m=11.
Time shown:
h=4 m=15
